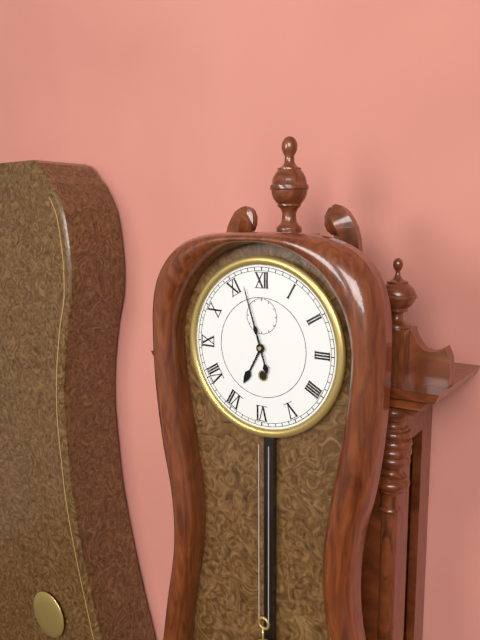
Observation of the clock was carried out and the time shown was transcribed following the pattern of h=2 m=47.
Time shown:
h=6 m=57
